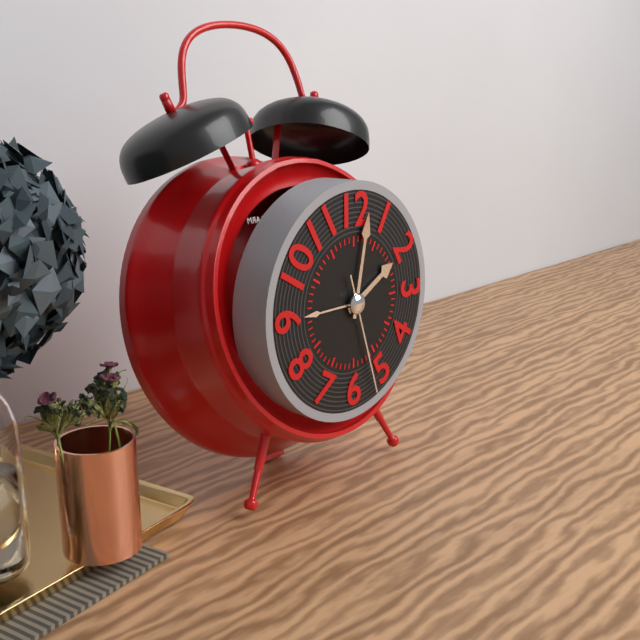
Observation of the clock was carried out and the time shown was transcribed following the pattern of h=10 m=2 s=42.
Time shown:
h=2 m=2 s=27
